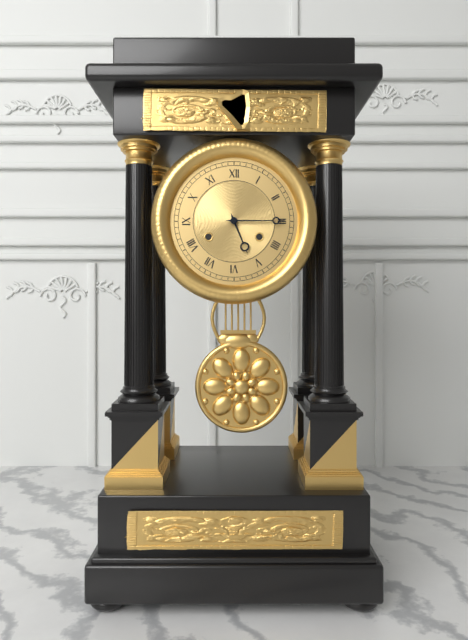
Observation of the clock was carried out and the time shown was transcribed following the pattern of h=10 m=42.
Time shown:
h=5 m=15
